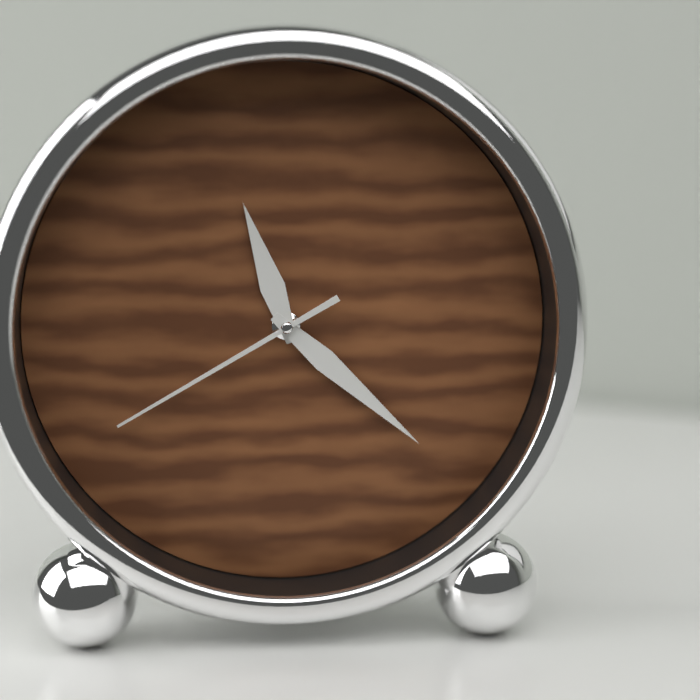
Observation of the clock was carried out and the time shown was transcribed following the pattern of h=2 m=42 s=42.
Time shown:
h=11 m=22 s=40
